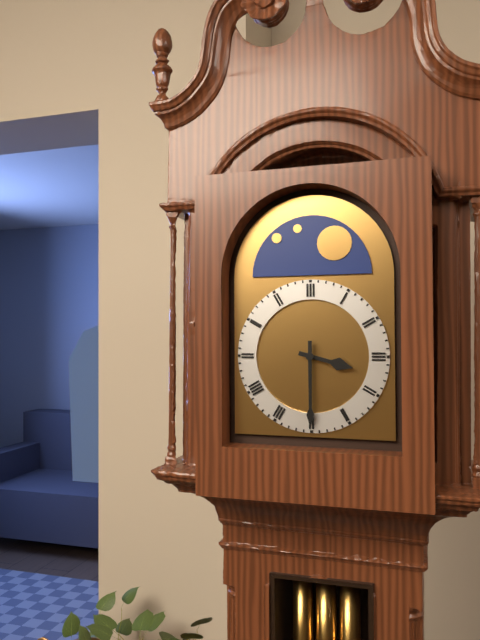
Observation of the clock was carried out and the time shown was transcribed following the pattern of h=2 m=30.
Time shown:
h=3 m=30
